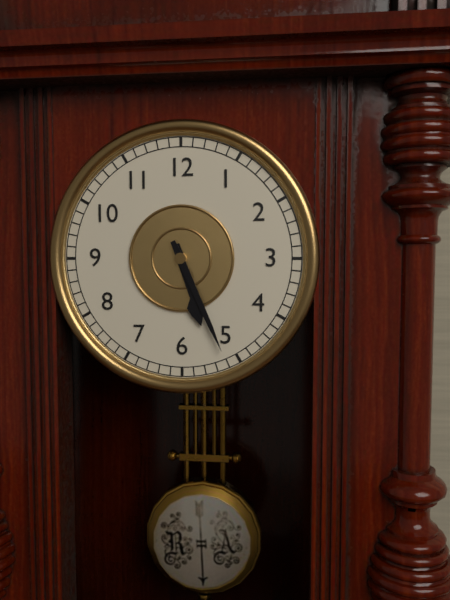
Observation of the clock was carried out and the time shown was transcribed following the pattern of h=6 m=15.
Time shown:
h=5 m=26
